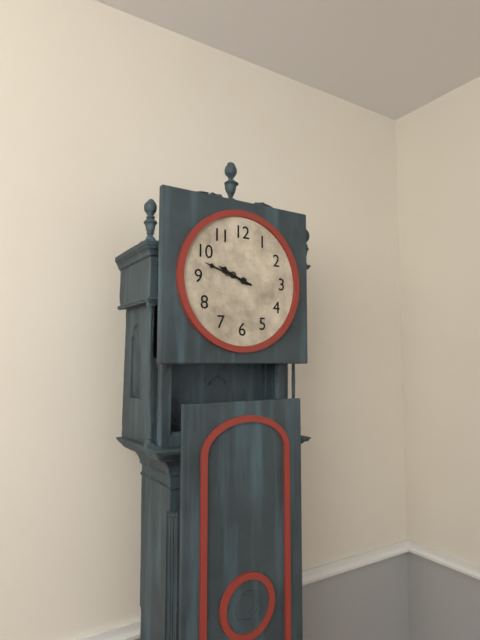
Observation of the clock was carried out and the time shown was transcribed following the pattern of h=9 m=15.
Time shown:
h=9 m=48
